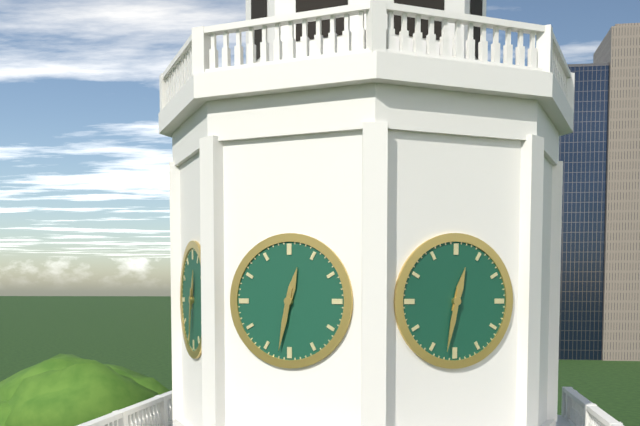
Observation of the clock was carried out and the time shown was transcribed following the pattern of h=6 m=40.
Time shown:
h=12 m=32
